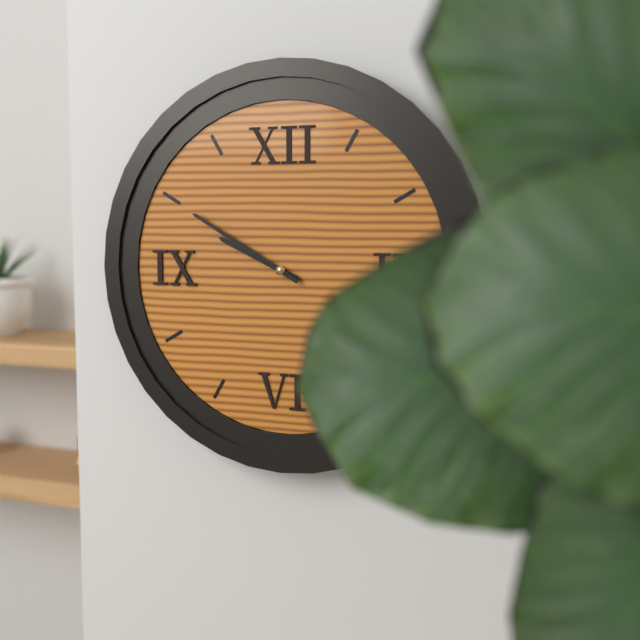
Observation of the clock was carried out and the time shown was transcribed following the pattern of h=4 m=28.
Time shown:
h=9 m=50
